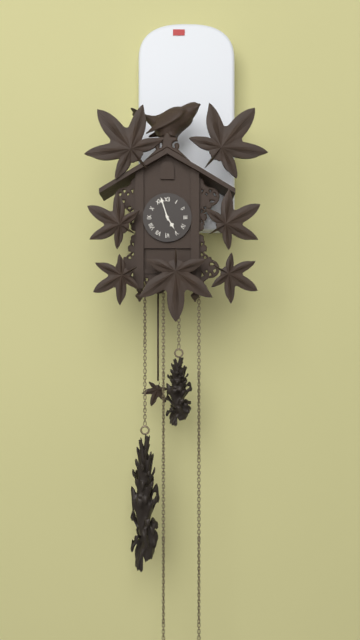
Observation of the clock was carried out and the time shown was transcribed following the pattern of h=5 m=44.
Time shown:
h=4 m=57
